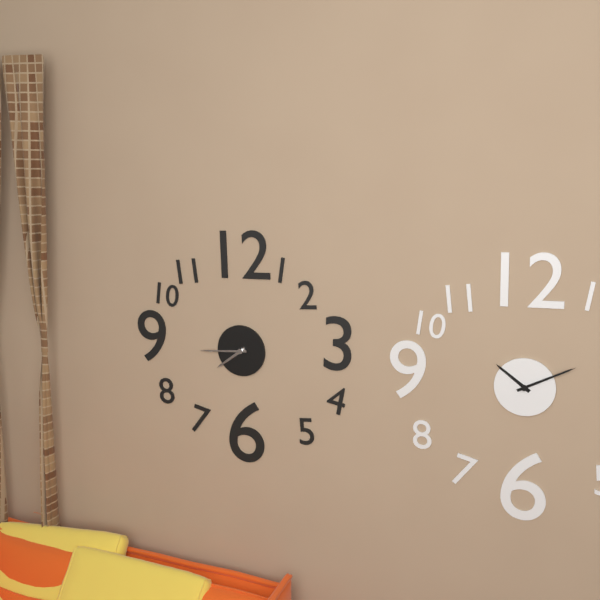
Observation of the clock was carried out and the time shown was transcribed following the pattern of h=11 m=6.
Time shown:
h=7 m=44
